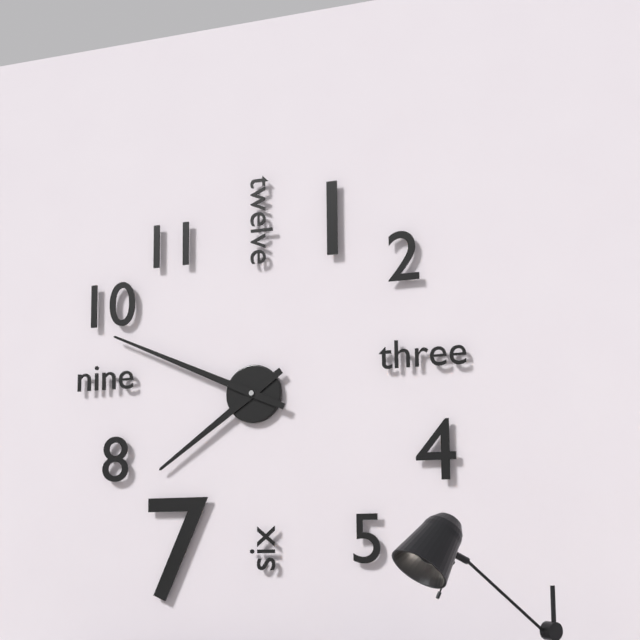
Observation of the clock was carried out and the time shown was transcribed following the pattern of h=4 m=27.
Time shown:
h=7 m=49
